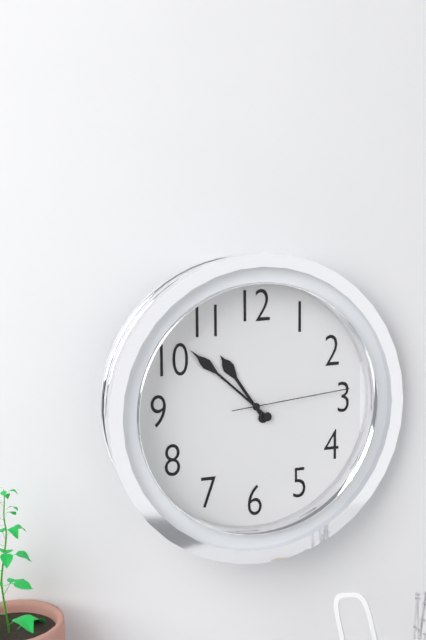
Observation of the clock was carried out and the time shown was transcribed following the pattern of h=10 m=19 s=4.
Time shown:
h=10 m=52 s=14
